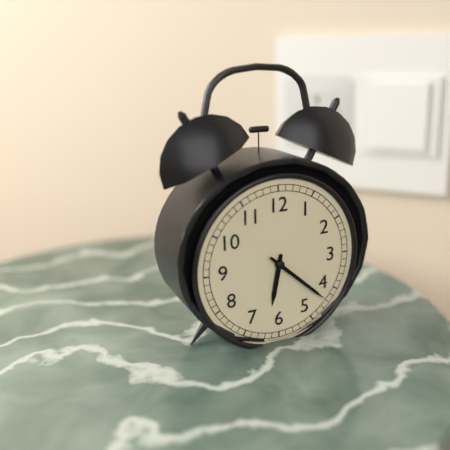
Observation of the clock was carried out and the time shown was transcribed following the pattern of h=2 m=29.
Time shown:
h=6 m=22
